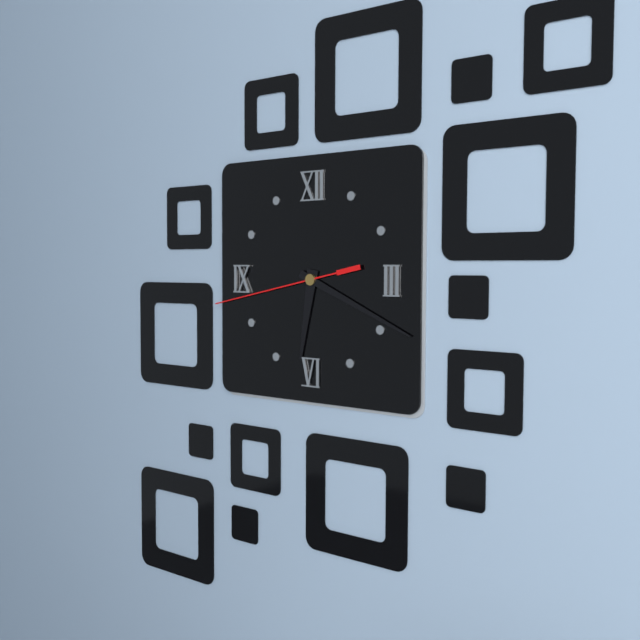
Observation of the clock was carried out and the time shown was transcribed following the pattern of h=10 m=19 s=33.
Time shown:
h=6 m=19 s=43
